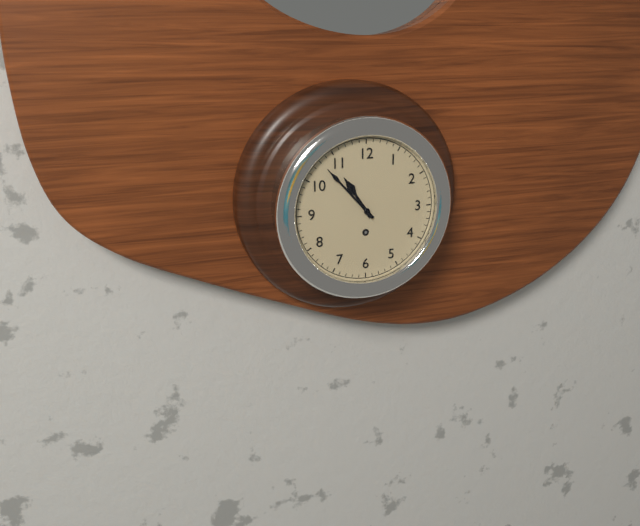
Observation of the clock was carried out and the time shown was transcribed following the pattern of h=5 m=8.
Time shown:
h=10 m=53
